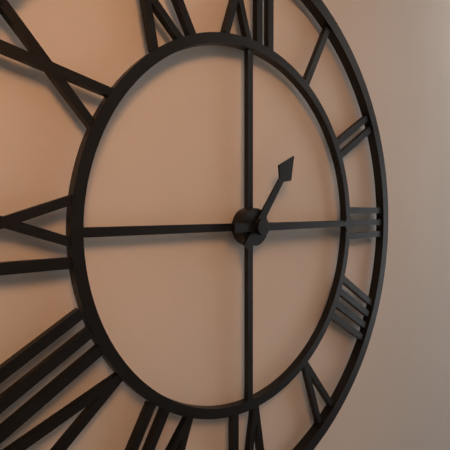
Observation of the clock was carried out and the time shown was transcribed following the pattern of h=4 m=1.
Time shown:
h=1 m=15
